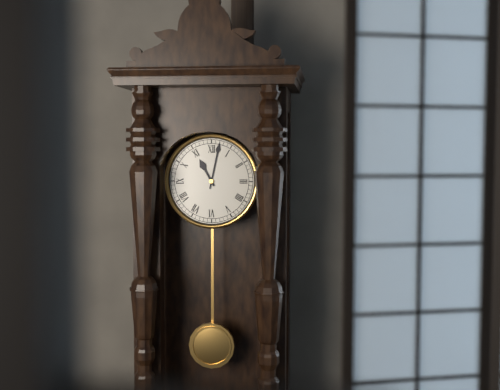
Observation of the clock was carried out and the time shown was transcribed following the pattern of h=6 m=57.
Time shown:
h=11 m=2
